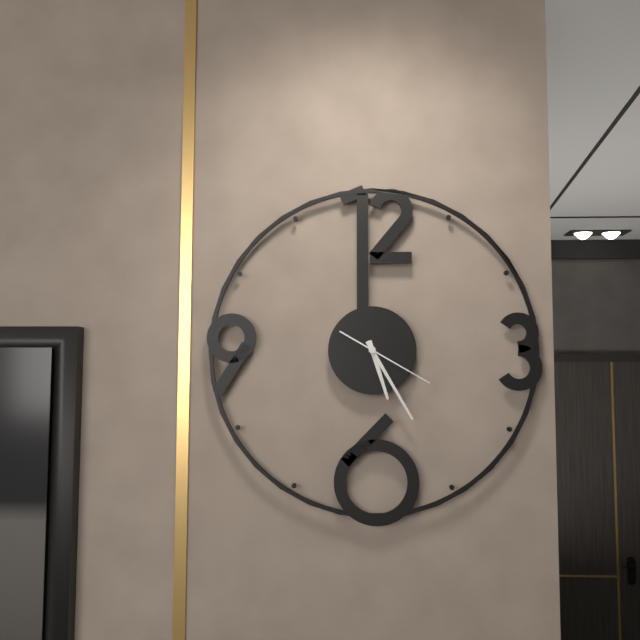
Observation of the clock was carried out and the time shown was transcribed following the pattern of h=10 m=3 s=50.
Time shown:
h=5 m=25 s=20
